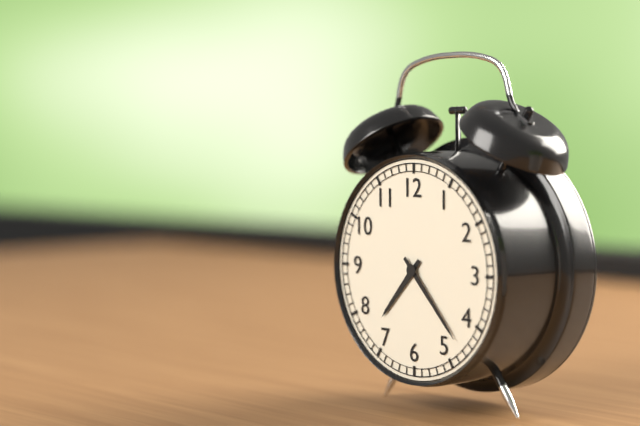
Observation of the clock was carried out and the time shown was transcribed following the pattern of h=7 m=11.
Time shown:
h=7 m=23
